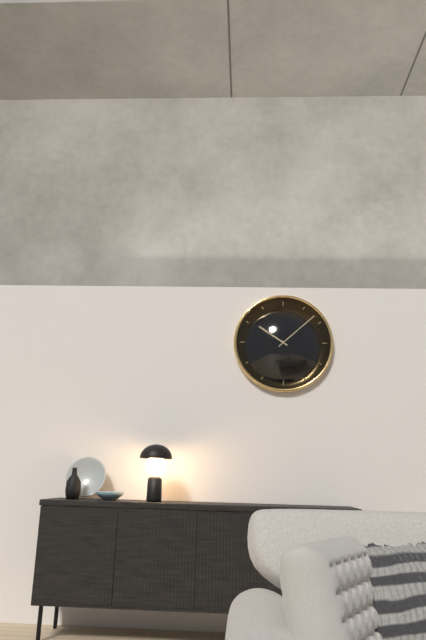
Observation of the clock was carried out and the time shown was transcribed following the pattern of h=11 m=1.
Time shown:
h=10 m=8
